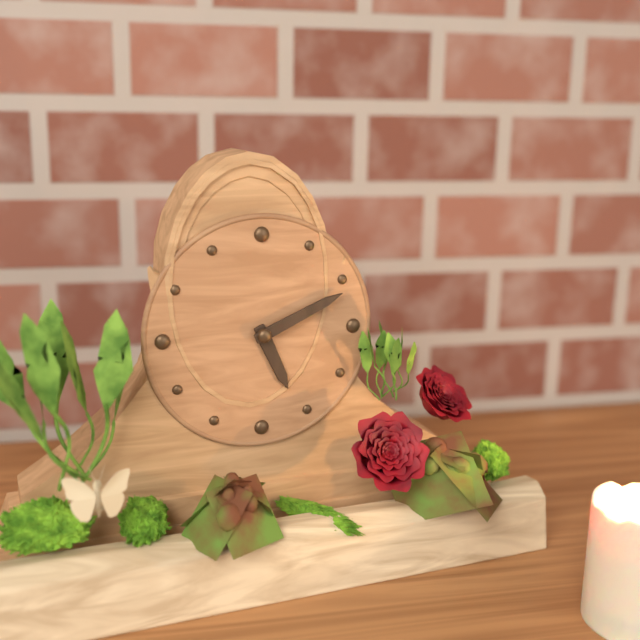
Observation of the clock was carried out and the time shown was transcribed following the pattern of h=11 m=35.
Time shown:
h=5 m=11
